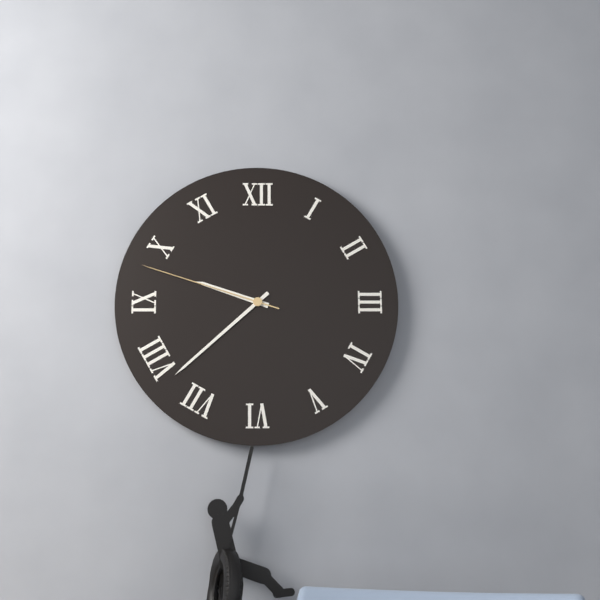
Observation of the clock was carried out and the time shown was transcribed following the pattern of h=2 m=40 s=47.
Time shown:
h=9 m=38 s=48
